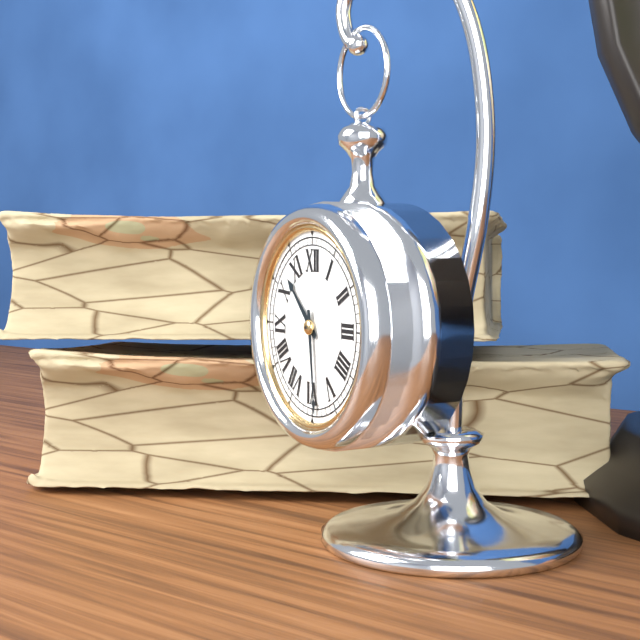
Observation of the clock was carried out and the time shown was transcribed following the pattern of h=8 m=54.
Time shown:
h=10 m=29
